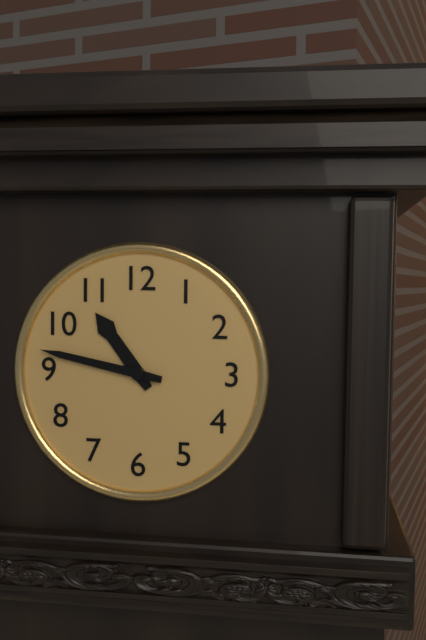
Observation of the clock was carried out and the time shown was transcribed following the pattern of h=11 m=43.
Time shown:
h=10 m=47
